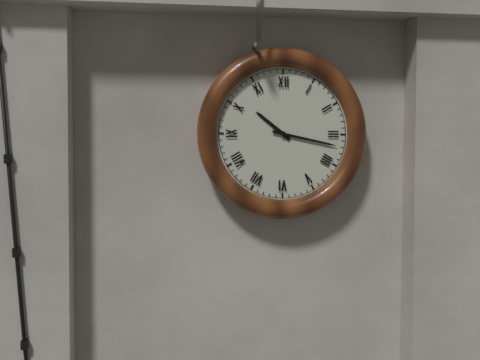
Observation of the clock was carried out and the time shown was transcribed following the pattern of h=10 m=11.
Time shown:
h=10 m=17
